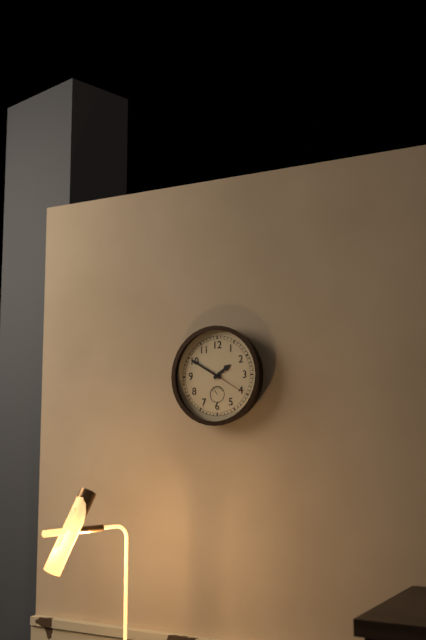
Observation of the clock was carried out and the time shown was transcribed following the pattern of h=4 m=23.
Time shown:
h=1 m=50
